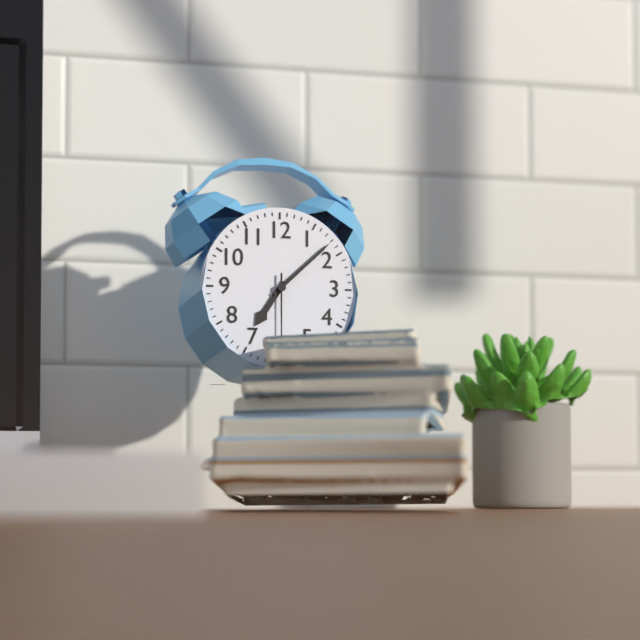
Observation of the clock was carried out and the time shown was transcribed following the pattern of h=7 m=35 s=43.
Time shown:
h=7 m=8 s=30
